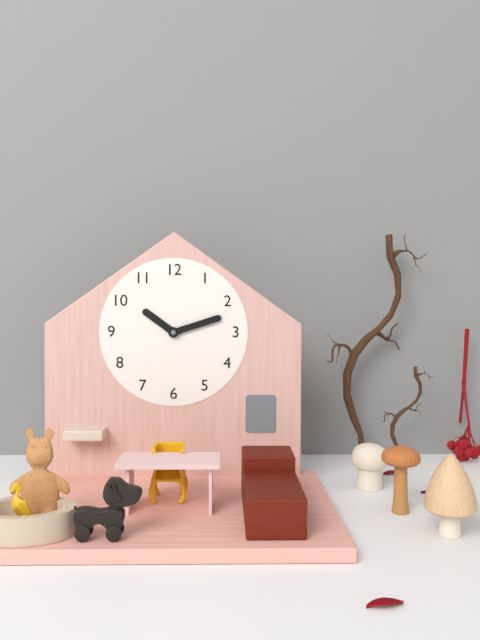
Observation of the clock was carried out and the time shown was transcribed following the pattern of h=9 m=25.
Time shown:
h=10 m=12
